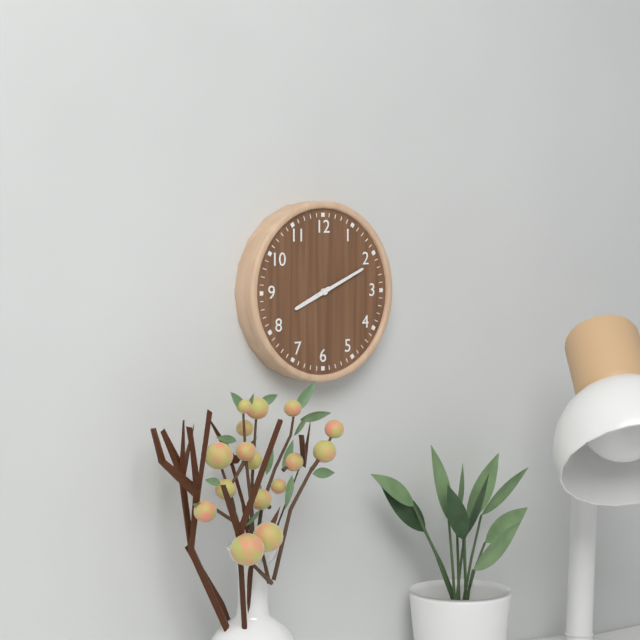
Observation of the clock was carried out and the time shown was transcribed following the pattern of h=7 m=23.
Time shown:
h=8 m=11
